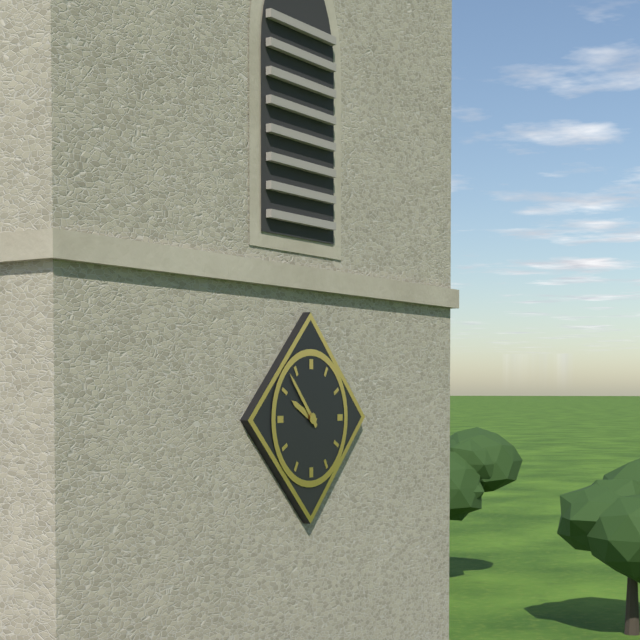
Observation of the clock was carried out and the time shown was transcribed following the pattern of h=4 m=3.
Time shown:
h=9 m=53
